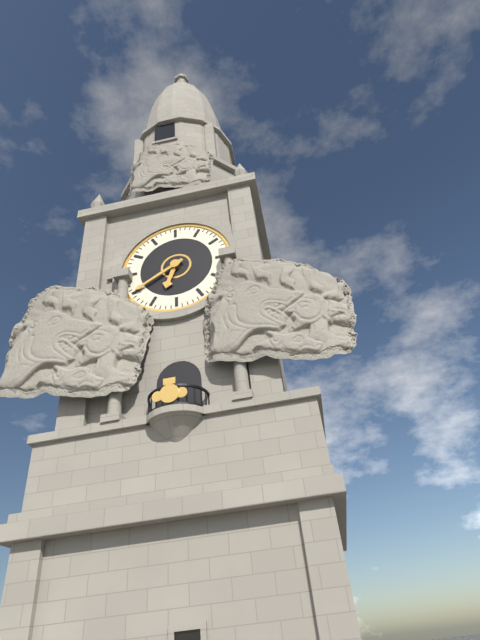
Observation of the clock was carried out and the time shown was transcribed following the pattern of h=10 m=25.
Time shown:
h=6 m=40
